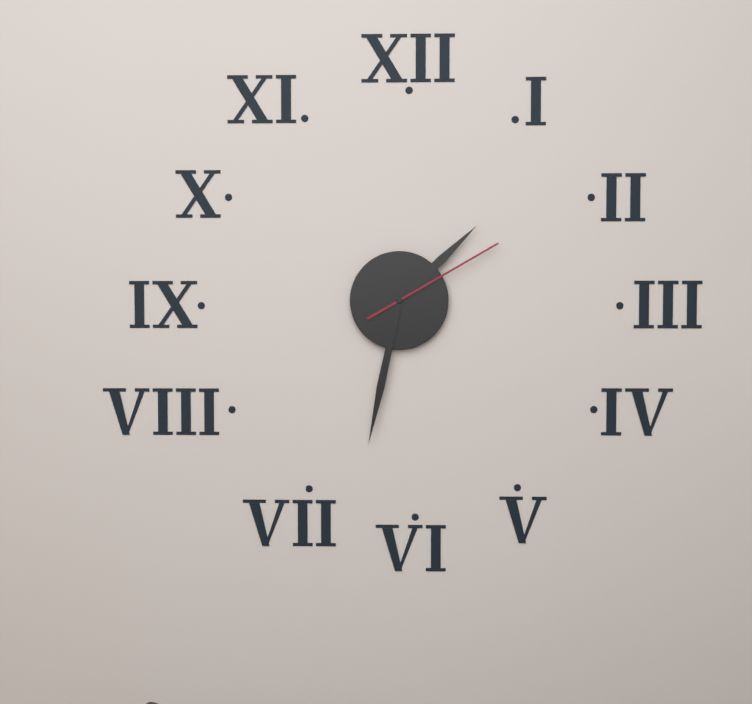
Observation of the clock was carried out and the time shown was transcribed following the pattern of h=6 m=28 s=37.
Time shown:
h=1 m=32 s=10
